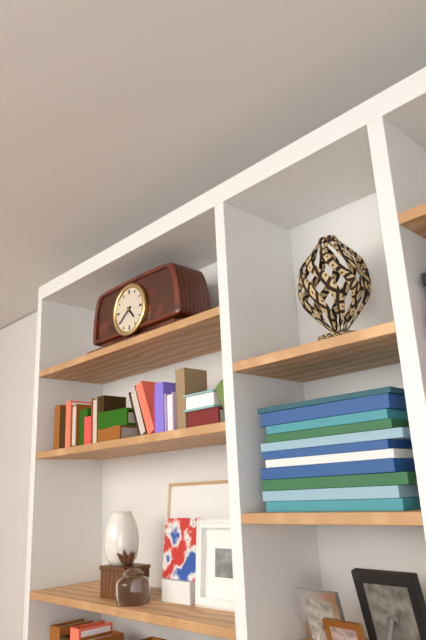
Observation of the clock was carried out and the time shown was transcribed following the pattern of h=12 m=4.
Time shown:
h=4 m=39
